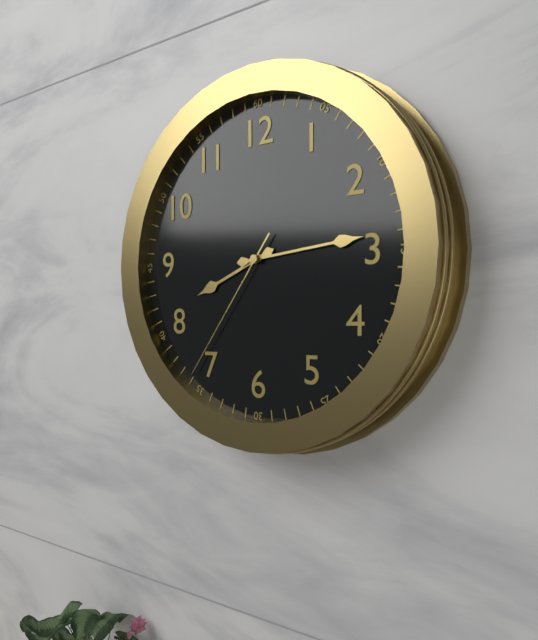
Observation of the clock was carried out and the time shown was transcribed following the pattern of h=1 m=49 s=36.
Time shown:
h=8 m=14 s=36
